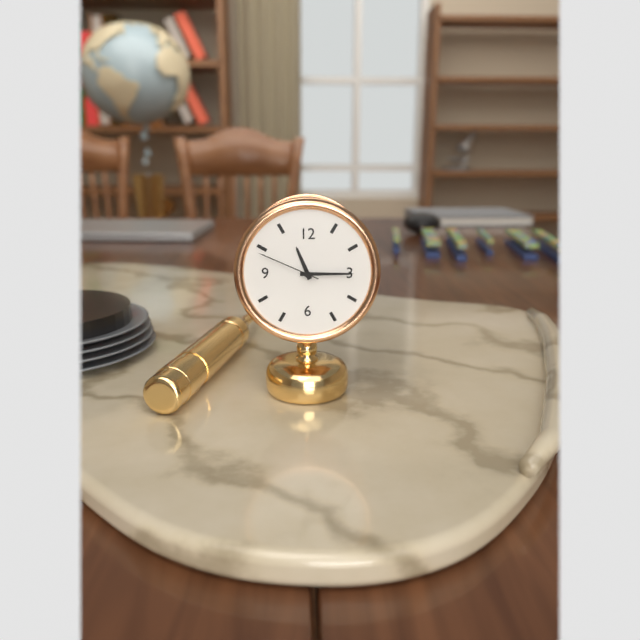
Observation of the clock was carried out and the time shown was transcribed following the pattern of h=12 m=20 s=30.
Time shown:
h=11 m=15 s=49
